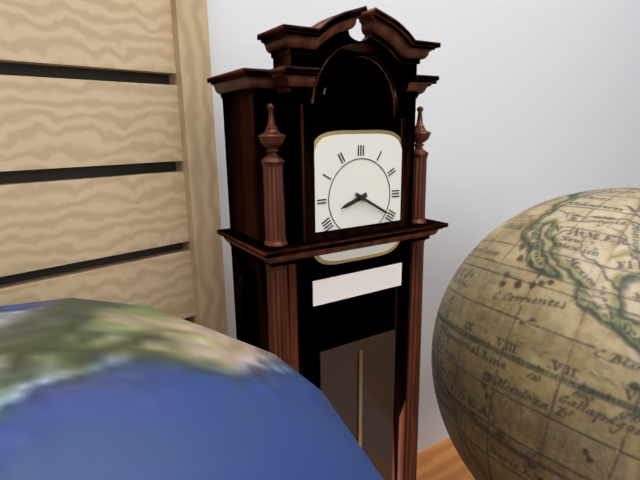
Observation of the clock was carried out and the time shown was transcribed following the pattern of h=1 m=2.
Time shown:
h=8 m=20
